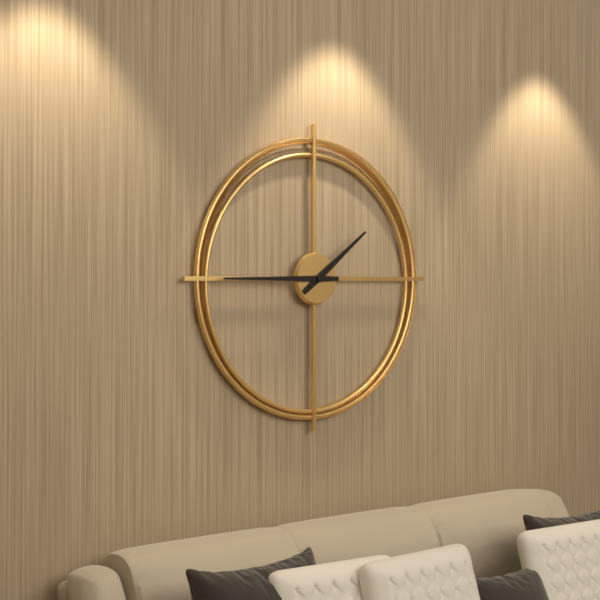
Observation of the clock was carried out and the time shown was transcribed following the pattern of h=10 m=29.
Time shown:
h=1 m=45
